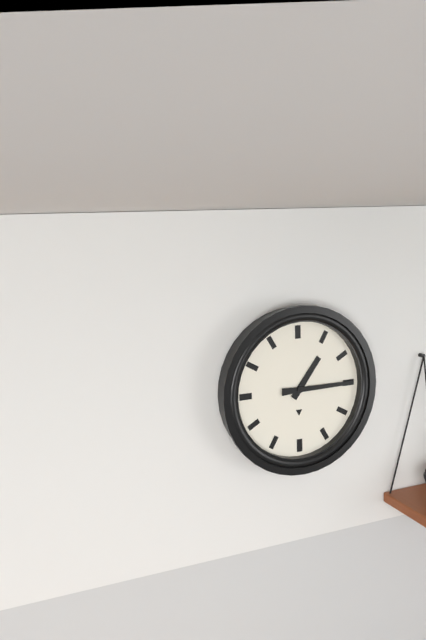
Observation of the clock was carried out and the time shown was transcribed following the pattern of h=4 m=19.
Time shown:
h=1 m=15
